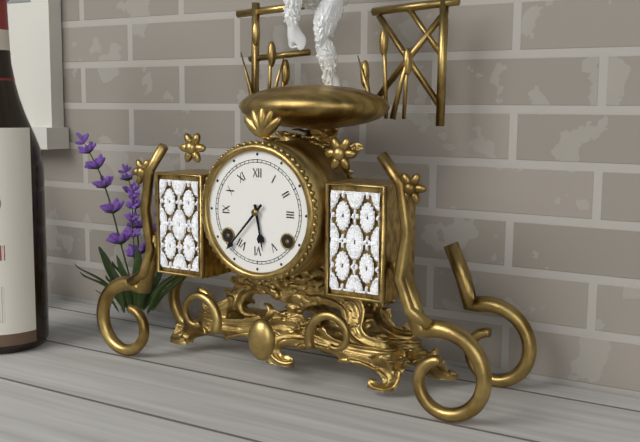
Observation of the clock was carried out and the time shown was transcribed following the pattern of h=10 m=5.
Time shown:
h=5 m=37
